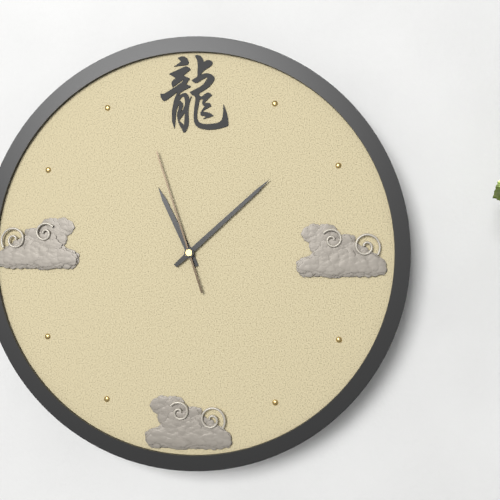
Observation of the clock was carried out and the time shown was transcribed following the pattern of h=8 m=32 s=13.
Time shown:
h=11 m=8 s=57
